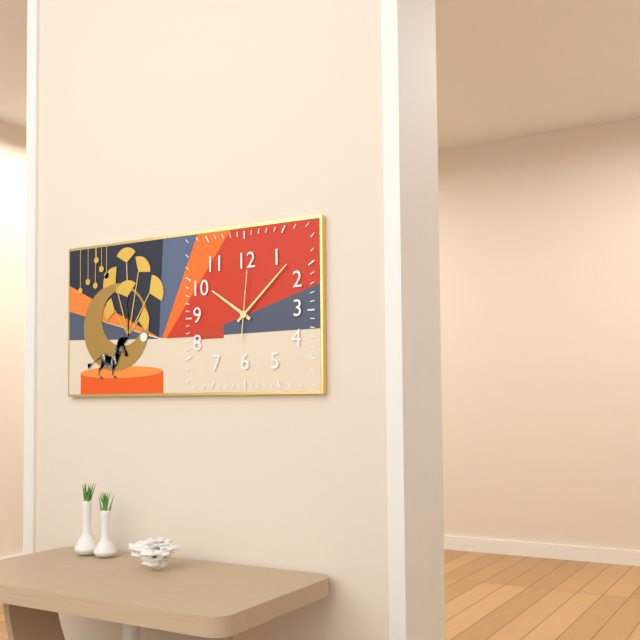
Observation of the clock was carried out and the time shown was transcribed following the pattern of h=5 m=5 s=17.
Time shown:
h=10 m=8 s=1
